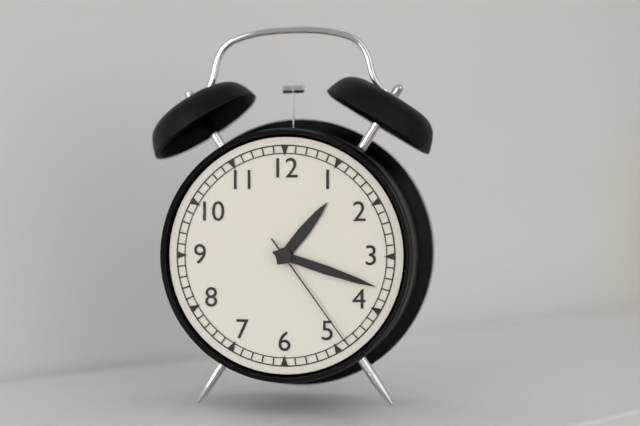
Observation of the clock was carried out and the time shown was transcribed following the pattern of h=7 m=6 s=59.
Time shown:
h=1 m=18 s=24
